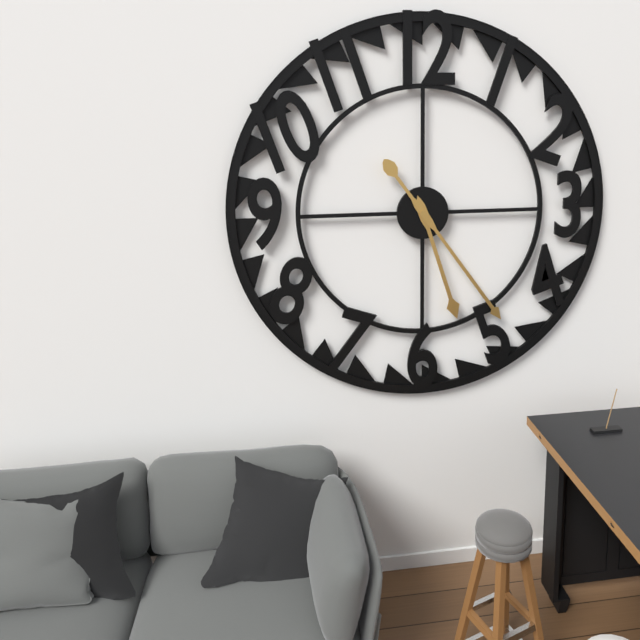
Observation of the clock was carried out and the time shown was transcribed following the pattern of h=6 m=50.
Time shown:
h=5 m=24
